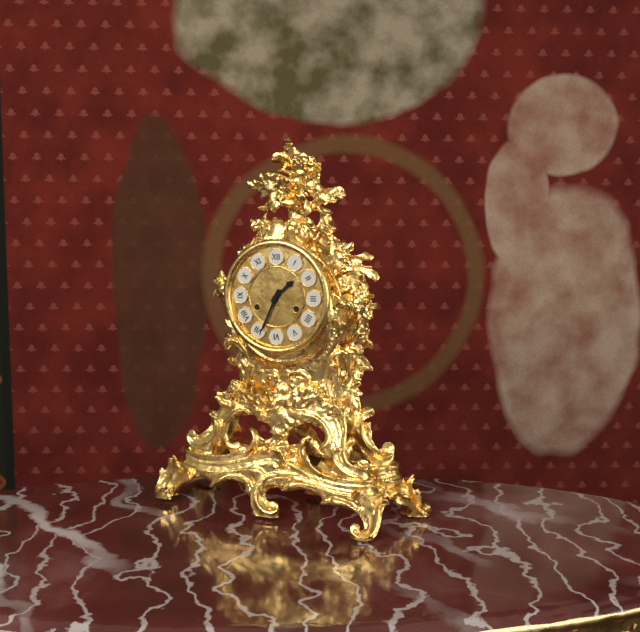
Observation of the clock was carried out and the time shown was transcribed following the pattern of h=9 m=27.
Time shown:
h=1 m=34
